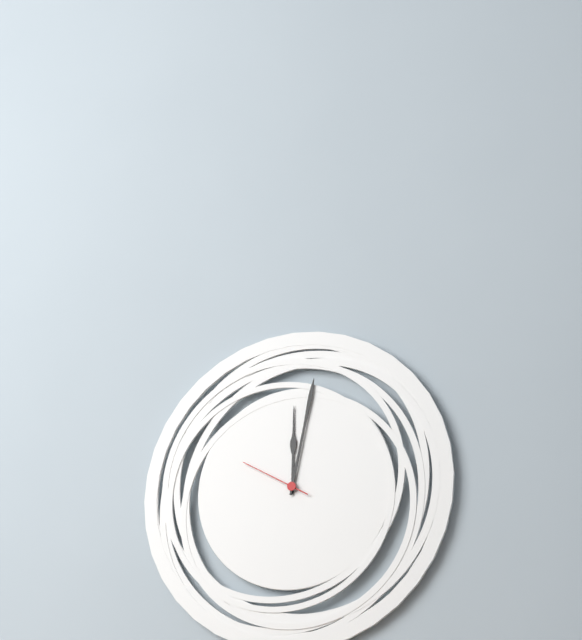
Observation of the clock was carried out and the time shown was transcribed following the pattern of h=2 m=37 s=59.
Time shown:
h=12 m=2 s=50
